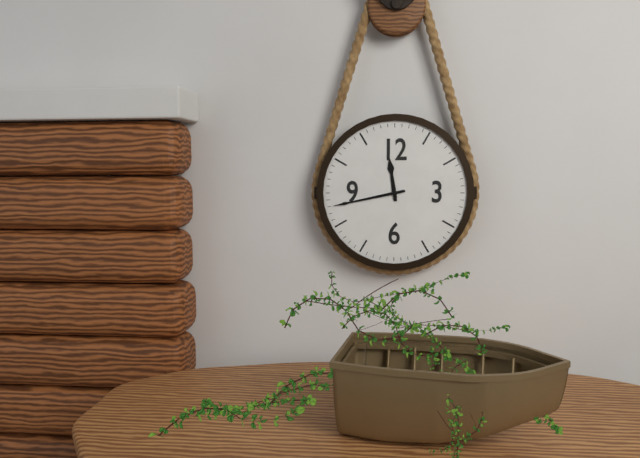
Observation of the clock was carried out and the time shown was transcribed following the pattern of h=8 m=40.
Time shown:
h=11 m=43
